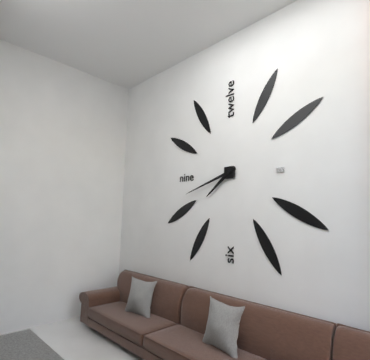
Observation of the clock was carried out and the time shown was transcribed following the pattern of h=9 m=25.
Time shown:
h=7 m=42
